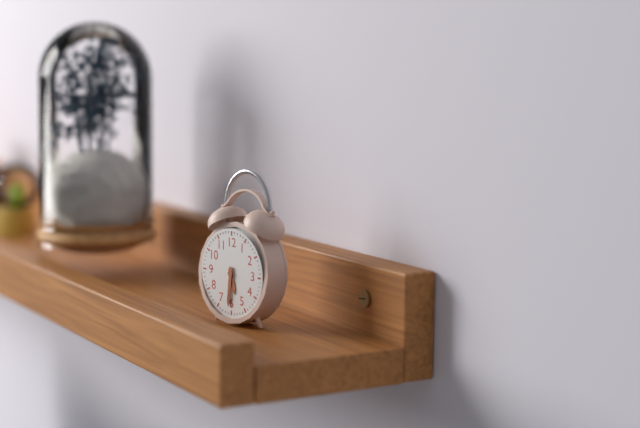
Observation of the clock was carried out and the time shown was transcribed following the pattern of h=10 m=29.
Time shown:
h=5 m=31
